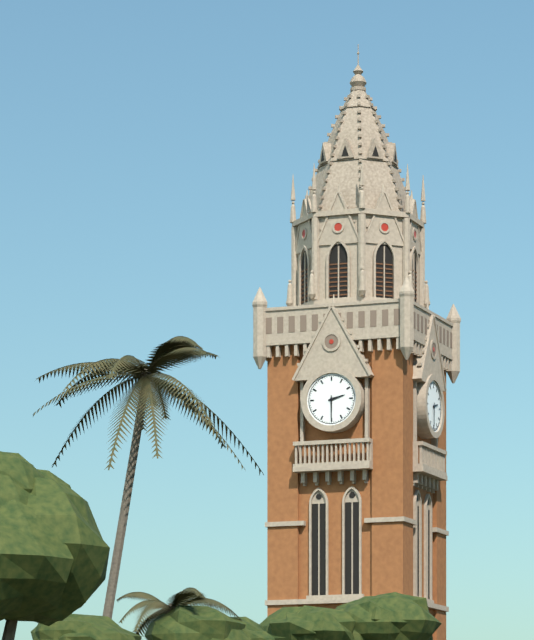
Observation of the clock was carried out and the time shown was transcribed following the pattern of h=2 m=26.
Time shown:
h=2 m=30
